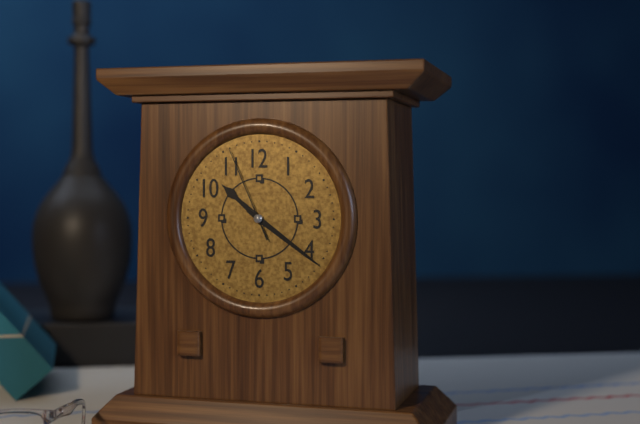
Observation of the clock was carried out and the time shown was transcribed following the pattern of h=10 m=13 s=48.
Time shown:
h=10 m=21 s=56
